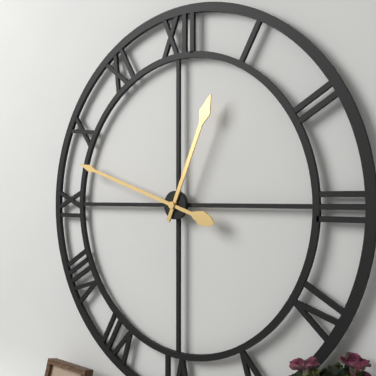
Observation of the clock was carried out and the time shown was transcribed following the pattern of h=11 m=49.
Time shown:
h=12 m=48
